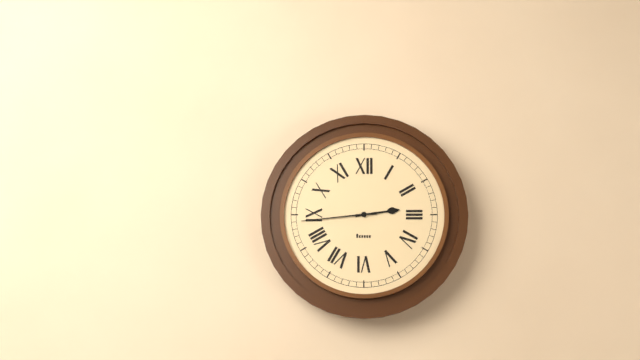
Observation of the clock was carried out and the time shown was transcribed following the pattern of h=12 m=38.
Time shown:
h=2 m=44
